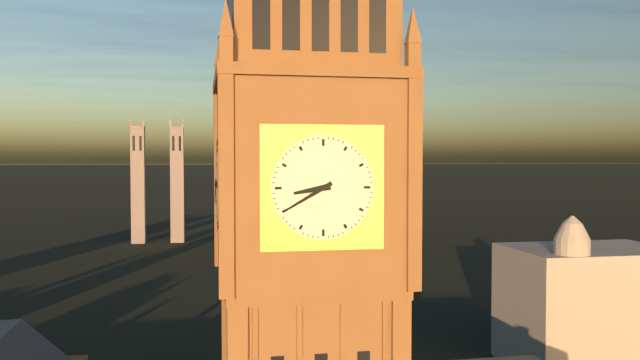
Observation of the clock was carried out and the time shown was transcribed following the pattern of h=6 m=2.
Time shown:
h=8 m=40
